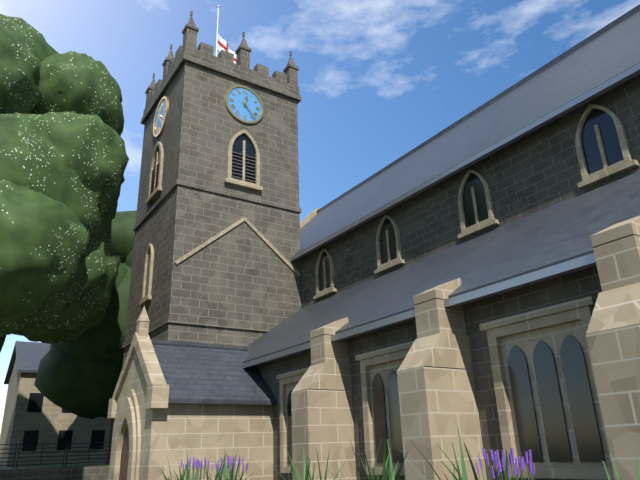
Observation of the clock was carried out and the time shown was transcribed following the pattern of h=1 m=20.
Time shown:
h=12 m=23
